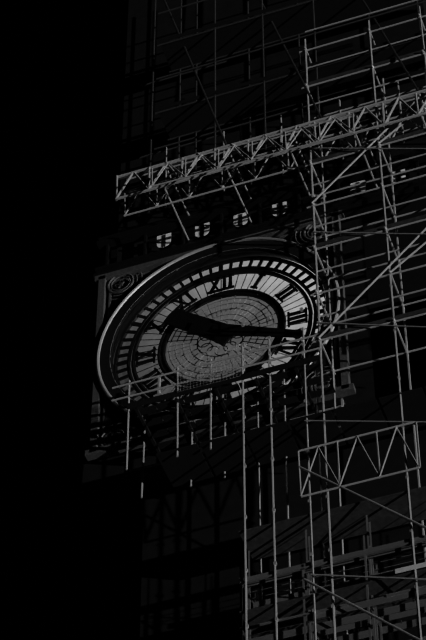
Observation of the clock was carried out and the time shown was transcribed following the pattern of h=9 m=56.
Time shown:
h=10 m=19
